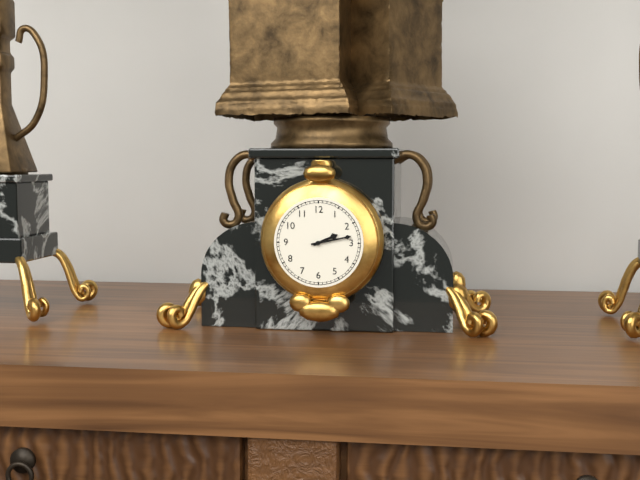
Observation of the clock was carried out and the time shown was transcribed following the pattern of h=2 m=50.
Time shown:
h=2 m=13
